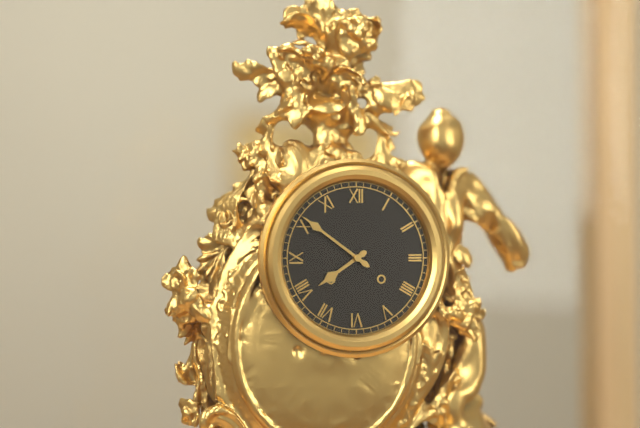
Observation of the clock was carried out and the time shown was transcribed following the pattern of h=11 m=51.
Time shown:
h=7 m=51
